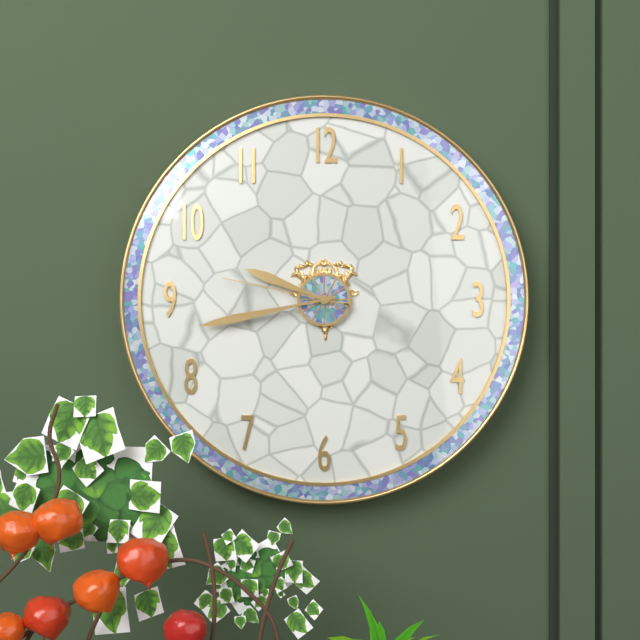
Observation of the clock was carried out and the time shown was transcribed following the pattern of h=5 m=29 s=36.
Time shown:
h=9 m=43 s=47
